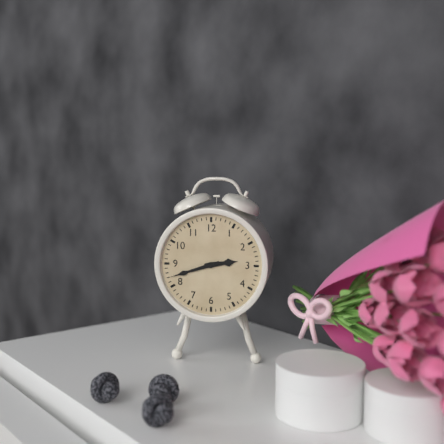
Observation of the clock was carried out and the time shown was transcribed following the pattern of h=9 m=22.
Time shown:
h=2 m=42
